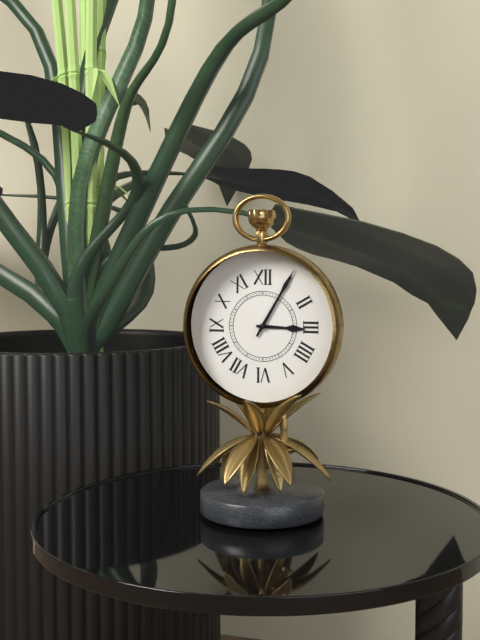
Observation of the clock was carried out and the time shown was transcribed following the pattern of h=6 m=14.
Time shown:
h=3 m=5
